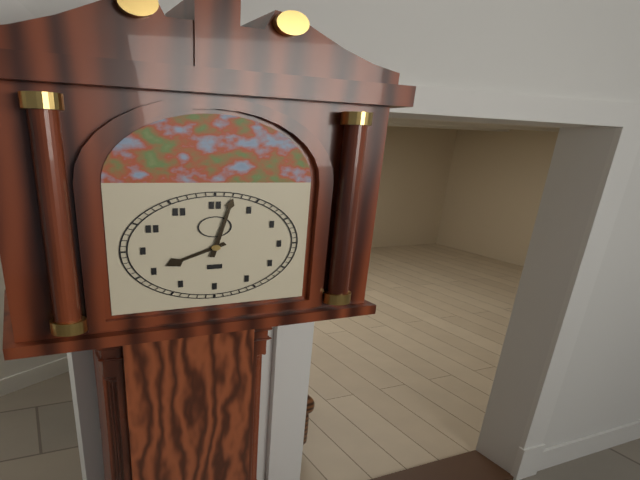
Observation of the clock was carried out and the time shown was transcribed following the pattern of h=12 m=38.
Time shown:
h=8 m=2
